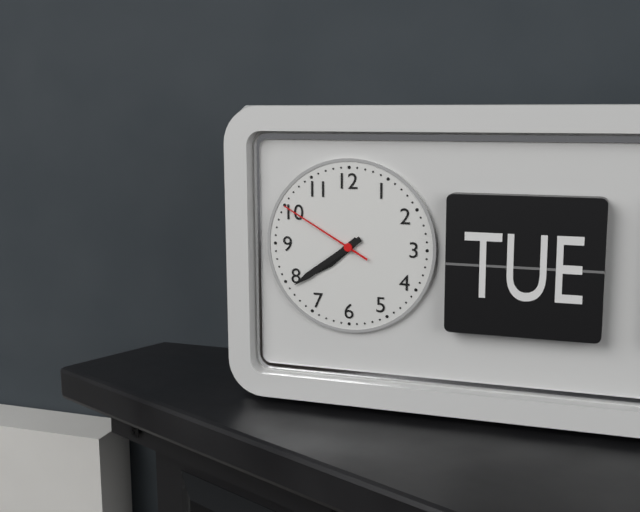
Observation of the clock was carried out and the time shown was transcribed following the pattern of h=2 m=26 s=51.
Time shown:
h=7 m=39 s=50
